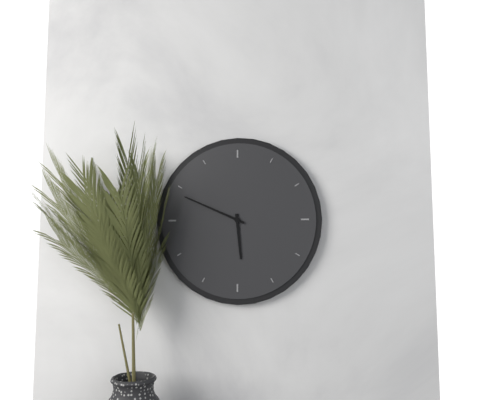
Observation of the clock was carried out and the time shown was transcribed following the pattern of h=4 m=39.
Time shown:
h=5 m=49
